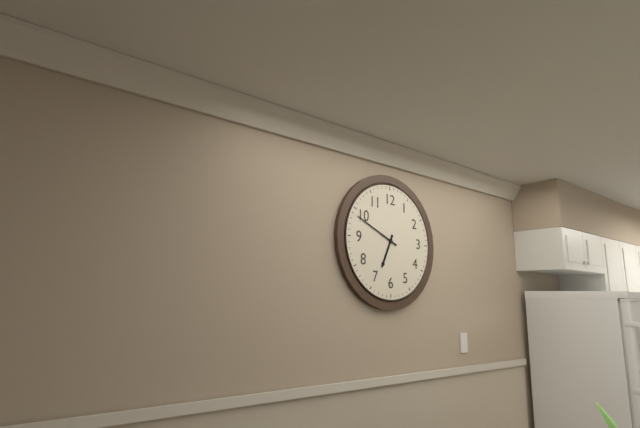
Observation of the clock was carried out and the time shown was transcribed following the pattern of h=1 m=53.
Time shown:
h=6 m=49
